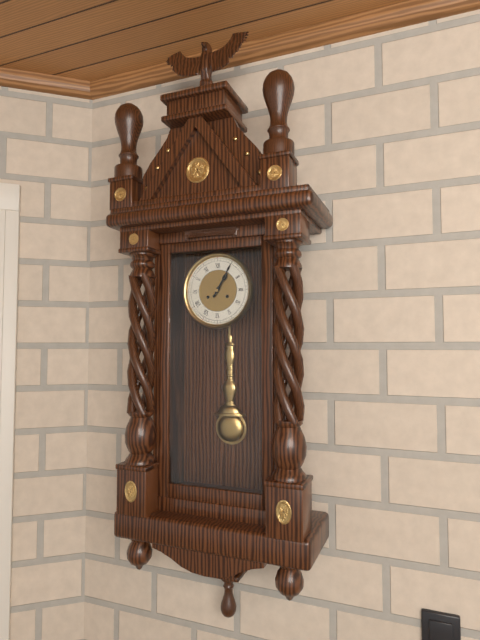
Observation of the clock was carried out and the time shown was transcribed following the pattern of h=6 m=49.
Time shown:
h=1 m=5
